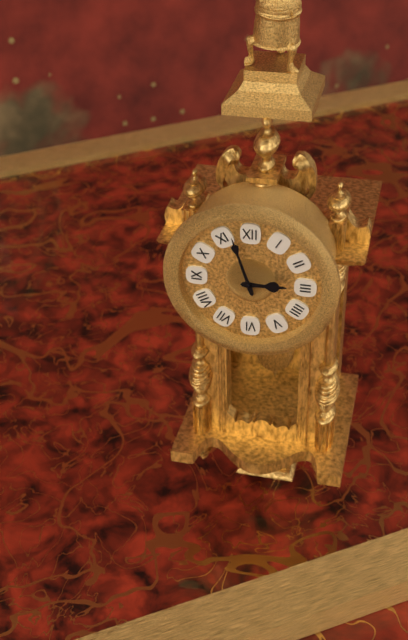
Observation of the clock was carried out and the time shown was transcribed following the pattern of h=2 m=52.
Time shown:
h=2 m=57
